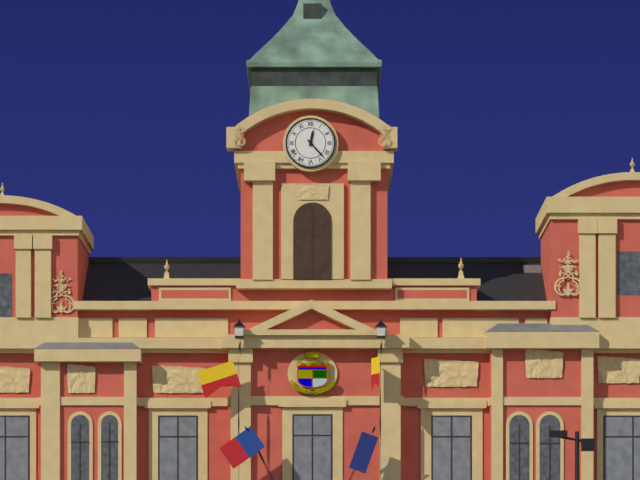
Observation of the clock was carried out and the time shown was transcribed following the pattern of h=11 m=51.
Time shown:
h=12 m=23
